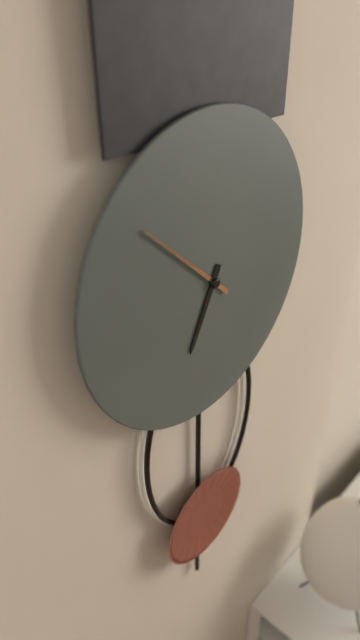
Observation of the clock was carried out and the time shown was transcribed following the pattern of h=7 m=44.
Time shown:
h=6 m=52
